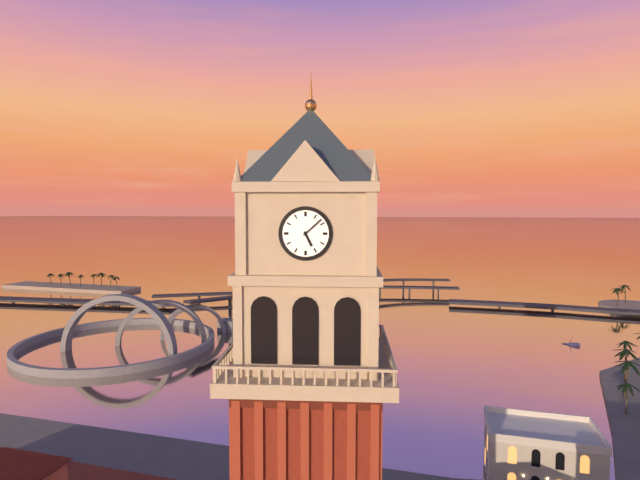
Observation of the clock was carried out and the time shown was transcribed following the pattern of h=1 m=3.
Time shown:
h=5 m=8
